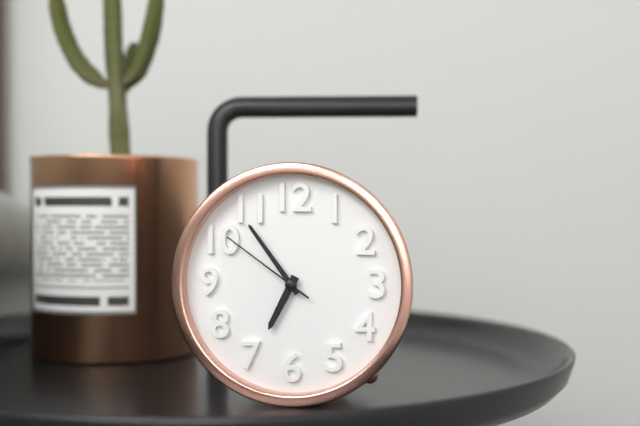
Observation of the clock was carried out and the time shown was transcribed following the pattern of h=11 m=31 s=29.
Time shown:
h=6 m=54 s=51
